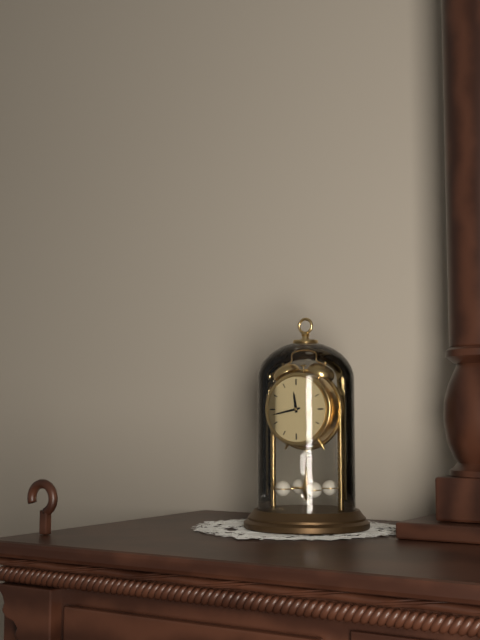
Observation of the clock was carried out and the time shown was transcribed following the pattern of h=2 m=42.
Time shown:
h=11 m=43
